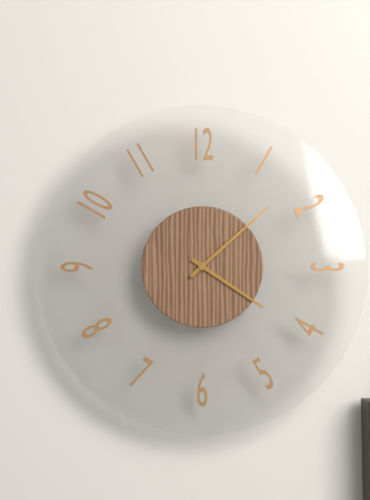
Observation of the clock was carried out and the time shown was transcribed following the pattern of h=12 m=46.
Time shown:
h=4 m=8
